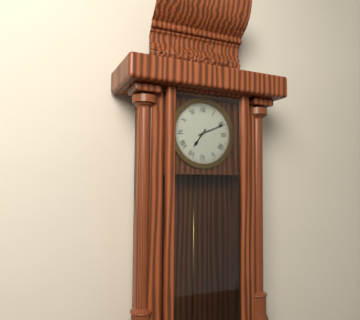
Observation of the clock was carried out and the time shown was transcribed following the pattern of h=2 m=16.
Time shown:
h=7 m=11
